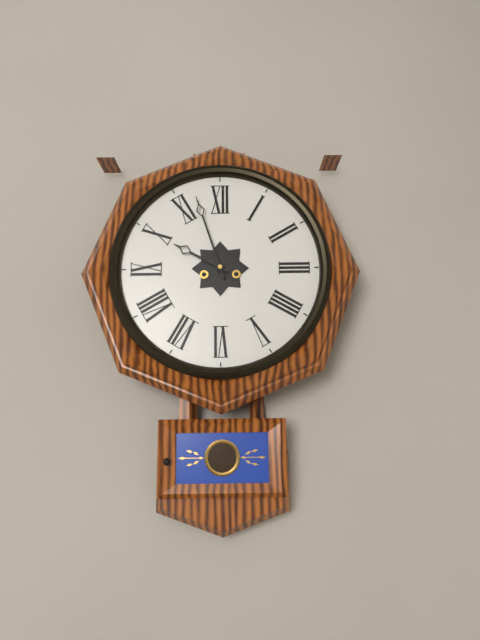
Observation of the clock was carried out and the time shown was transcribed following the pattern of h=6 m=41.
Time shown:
h=9 m=57
